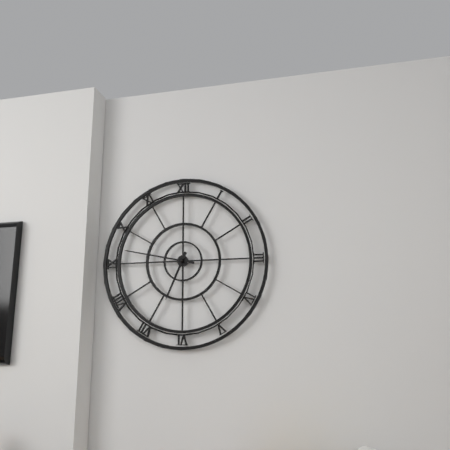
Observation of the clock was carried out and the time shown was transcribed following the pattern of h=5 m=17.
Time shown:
h=6 m=47
